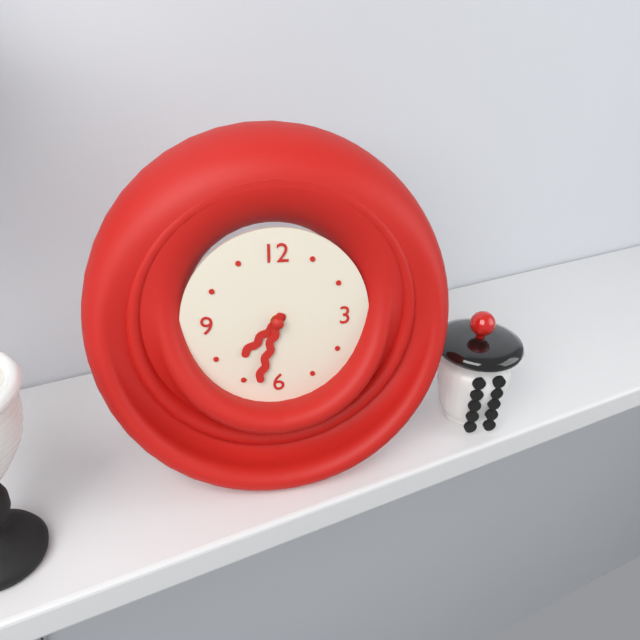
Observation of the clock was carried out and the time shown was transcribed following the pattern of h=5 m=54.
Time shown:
h=7 m=33
